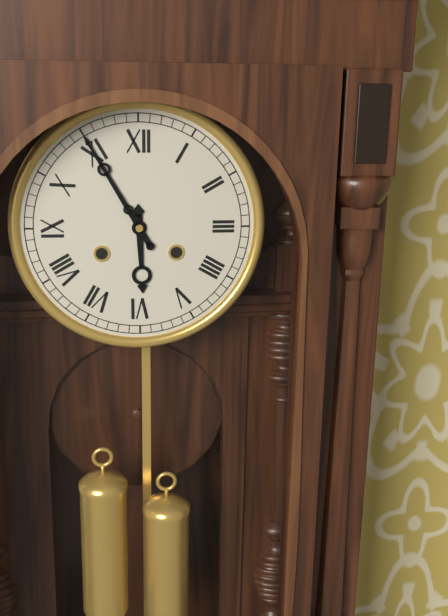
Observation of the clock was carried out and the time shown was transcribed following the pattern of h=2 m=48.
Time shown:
h=5 m=55
